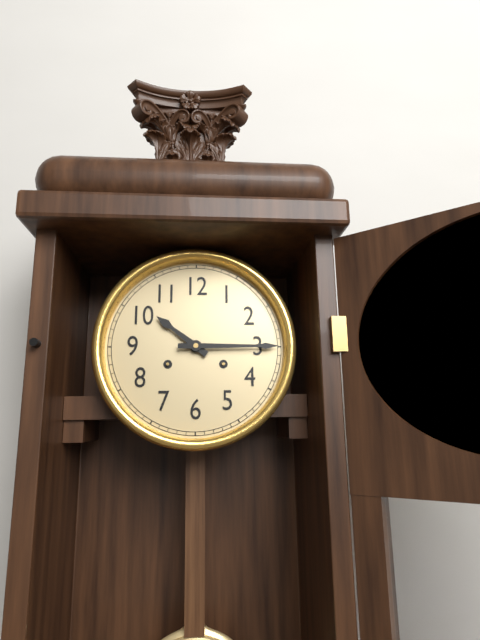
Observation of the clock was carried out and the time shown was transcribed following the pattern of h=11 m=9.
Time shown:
h=10 m=15
